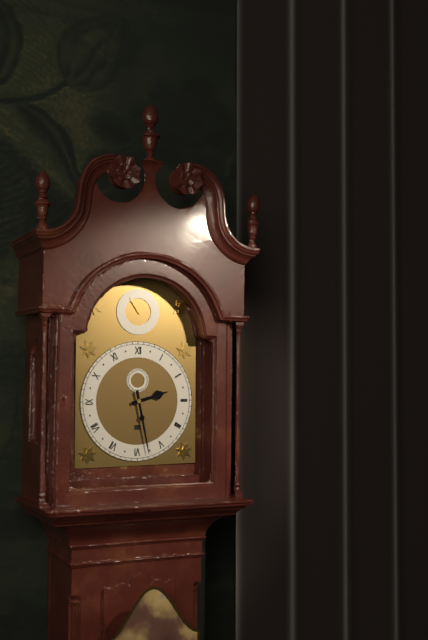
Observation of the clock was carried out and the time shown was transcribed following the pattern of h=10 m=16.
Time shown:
h=2 m=28
